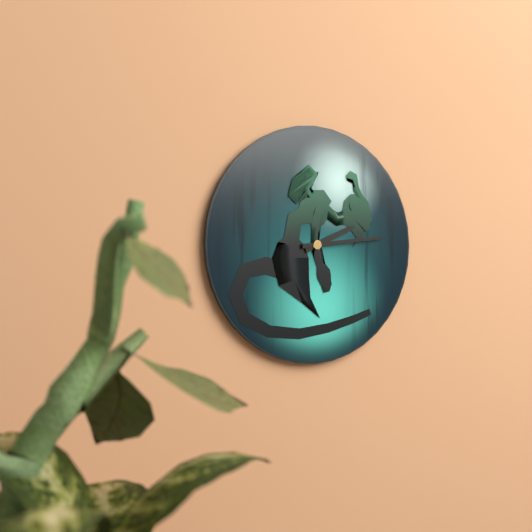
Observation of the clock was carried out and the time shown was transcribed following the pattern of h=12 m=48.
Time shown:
h=2 m=14
